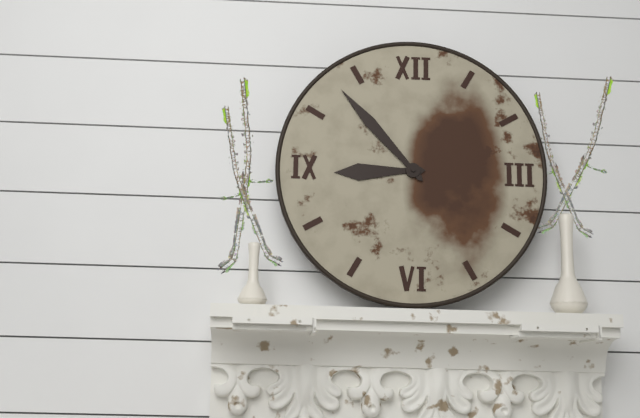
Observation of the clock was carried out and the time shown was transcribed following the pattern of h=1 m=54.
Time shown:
h=8 m=53
